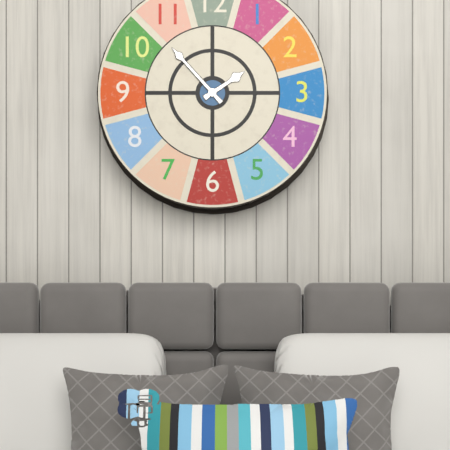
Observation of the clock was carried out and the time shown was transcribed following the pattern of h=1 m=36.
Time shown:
h=1 m=53
